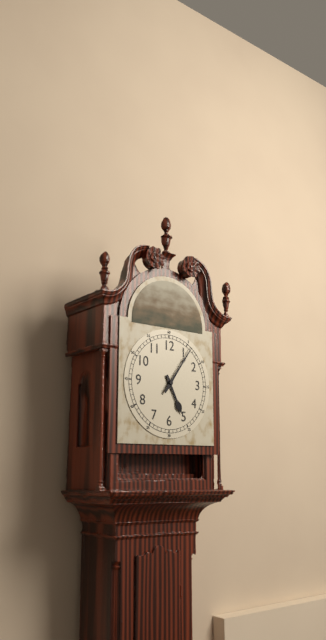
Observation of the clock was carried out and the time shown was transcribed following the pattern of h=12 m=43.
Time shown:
h=5 m=6
